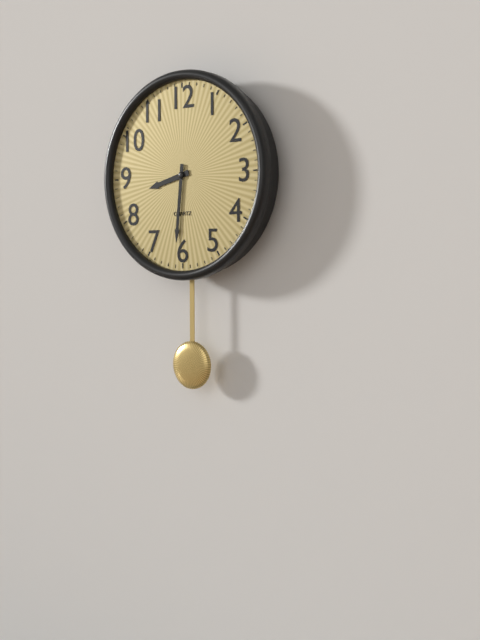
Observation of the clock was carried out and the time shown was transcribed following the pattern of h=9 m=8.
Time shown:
h=8 m=31
